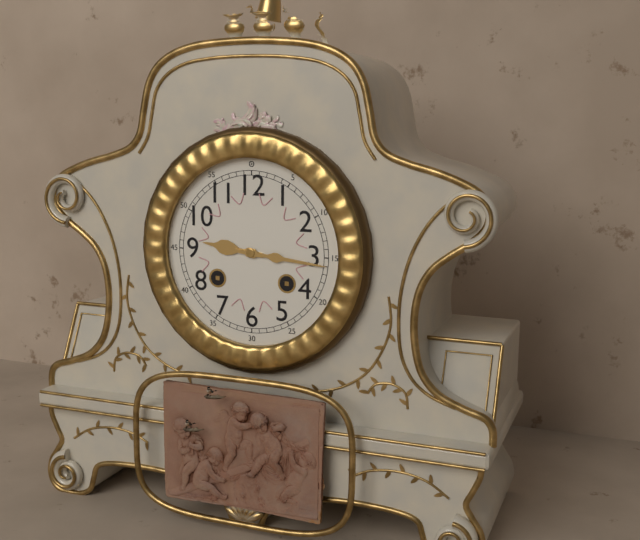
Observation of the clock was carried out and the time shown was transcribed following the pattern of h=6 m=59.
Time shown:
h=9 m=16
